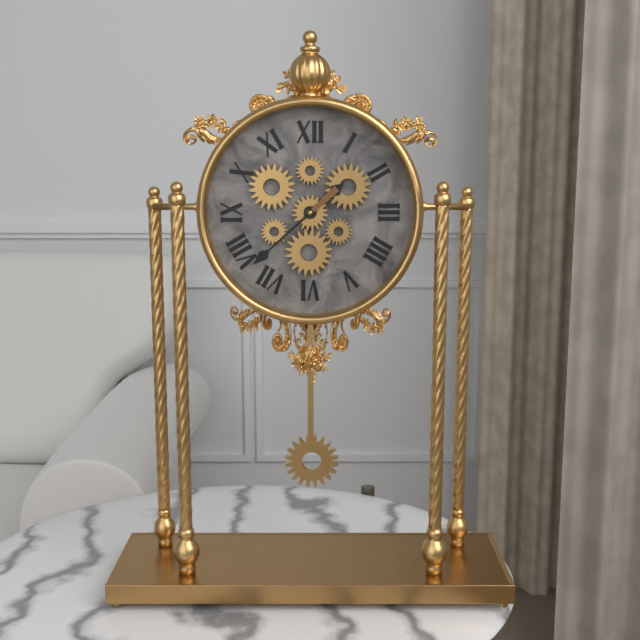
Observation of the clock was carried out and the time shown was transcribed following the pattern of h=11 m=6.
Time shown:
h=1 m=38
